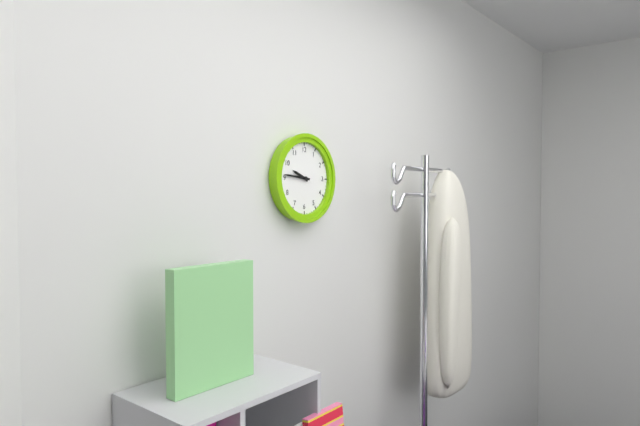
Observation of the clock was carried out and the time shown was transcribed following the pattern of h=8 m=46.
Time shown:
h=9 m=46
